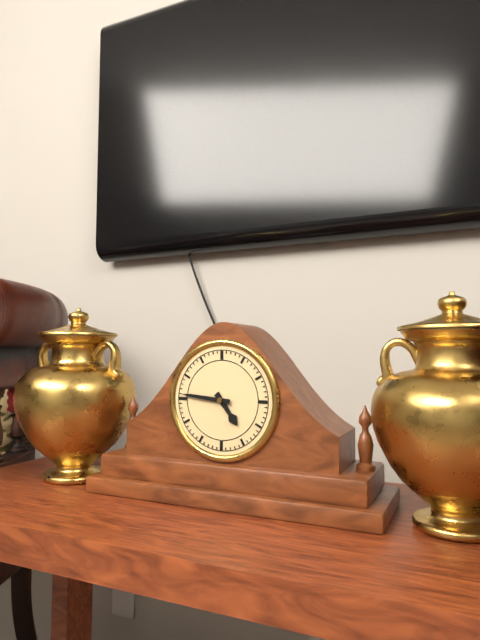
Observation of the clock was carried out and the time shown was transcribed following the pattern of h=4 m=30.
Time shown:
h=4 m=46
